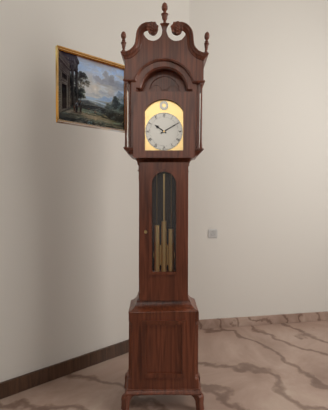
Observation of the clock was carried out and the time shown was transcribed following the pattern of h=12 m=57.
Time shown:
h=10 m=10
